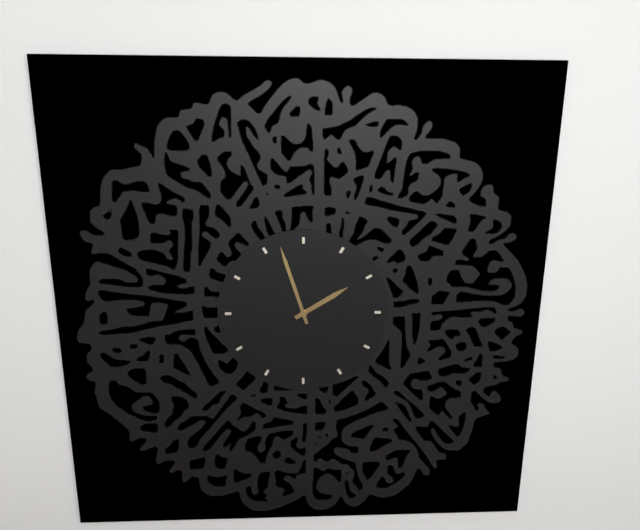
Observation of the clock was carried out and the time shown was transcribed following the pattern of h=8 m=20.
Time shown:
h=1 m=57
